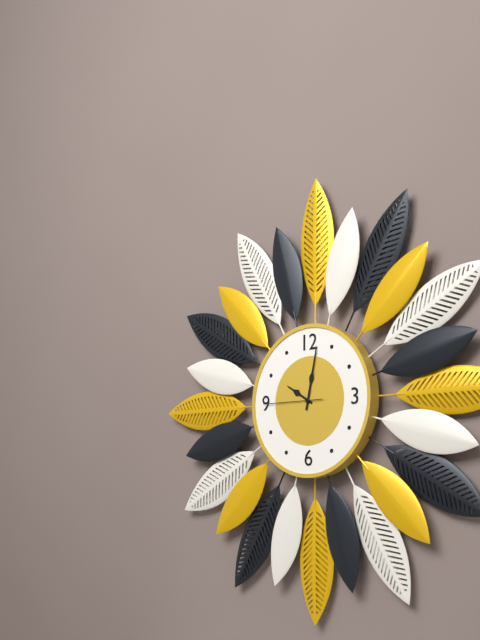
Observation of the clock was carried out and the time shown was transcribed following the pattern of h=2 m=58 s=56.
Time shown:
h=10 m=2 s=45
